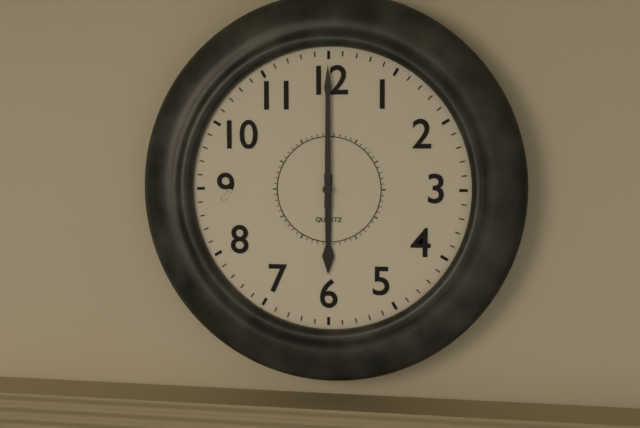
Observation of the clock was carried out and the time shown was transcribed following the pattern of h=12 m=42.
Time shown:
h=6 m=0
